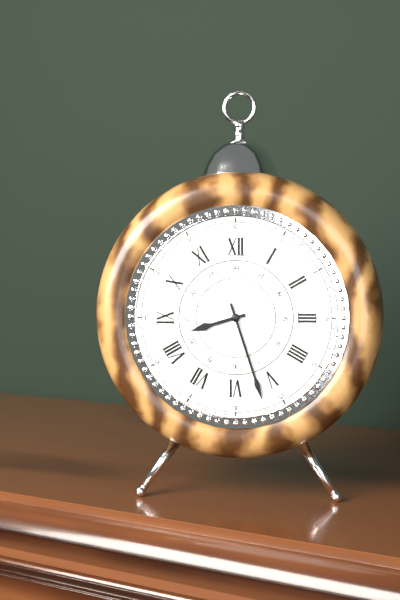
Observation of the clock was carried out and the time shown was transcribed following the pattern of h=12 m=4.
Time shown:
h=8 m=27
